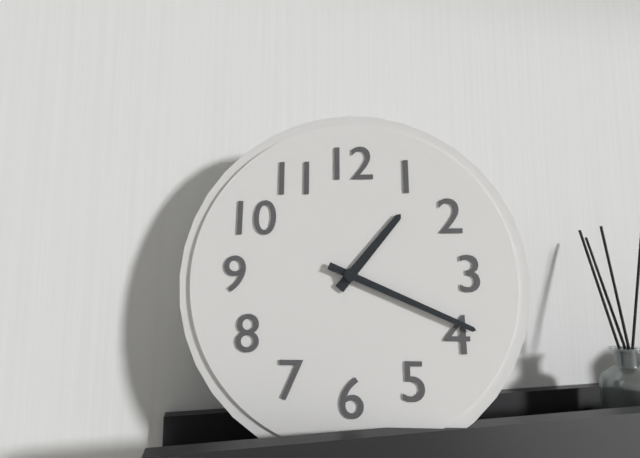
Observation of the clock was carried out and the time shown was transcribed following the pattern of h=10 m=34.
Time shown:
h=1 m=19
